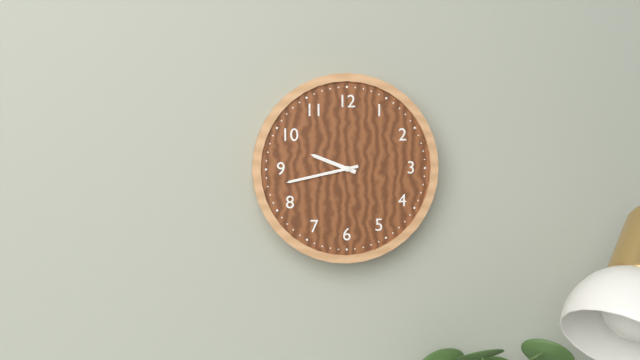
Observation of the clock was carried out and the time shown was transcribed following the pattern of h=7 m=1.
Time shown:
h=9 m=43
